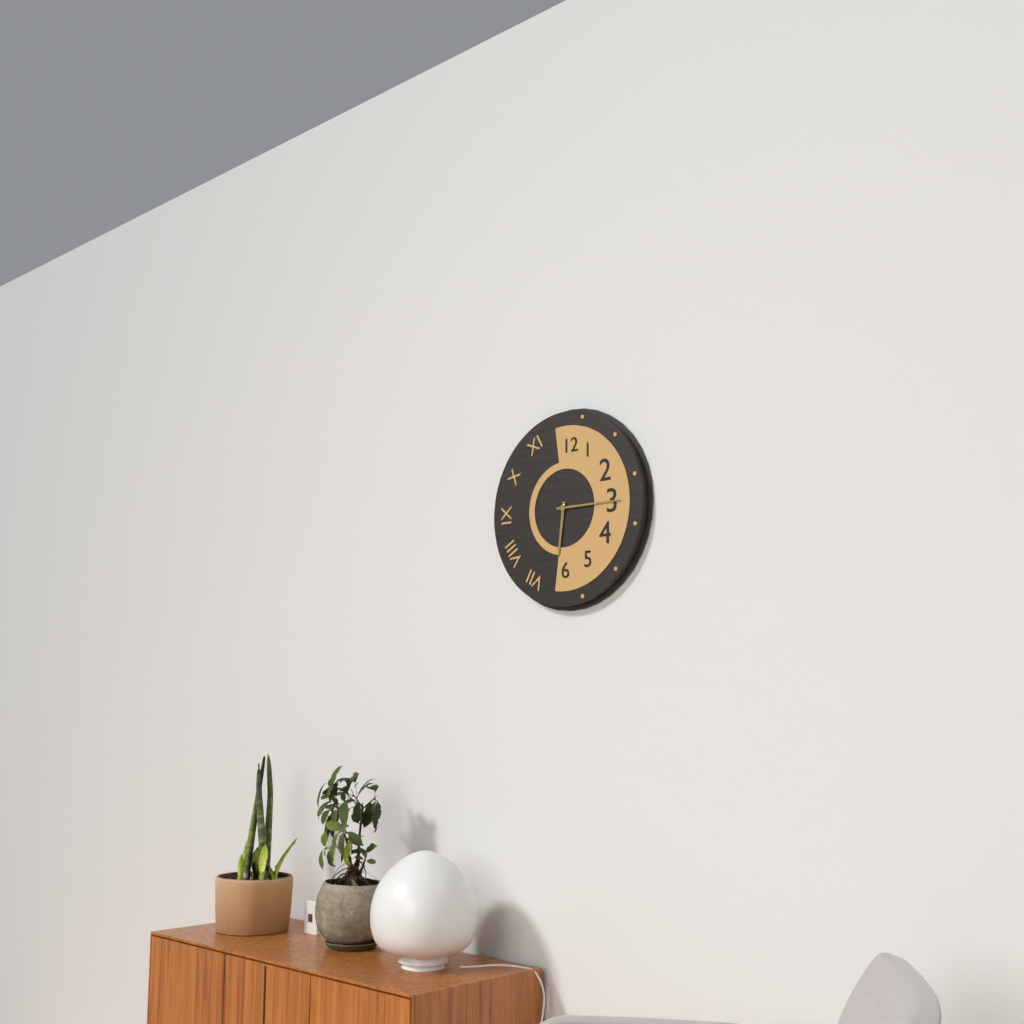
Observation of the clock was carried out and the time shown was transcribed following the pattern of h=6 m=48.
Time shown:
h=6 m=15
